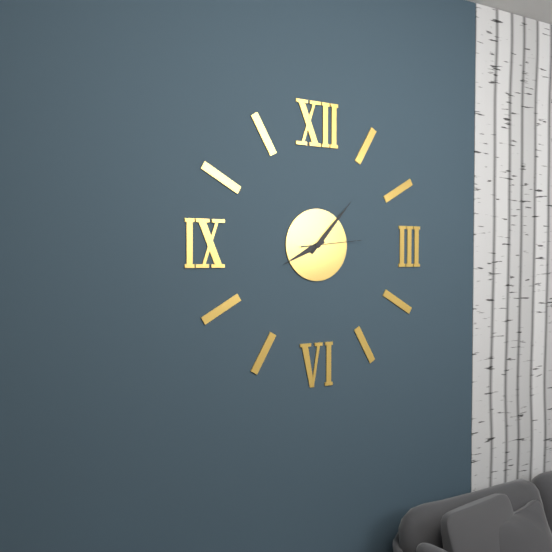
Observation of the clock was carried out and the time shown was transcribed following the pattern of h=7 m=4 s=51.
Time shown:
h=8 m=7 s=14
